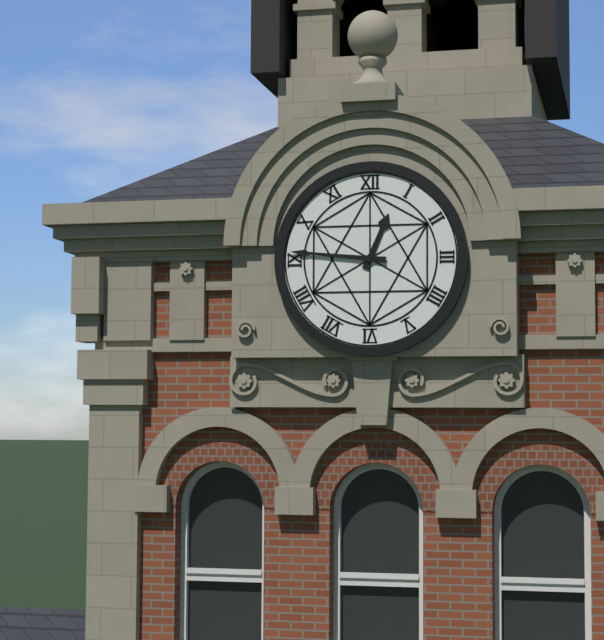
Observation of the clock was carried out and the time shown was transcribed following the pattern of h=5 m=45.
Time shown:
h=12 m=46
